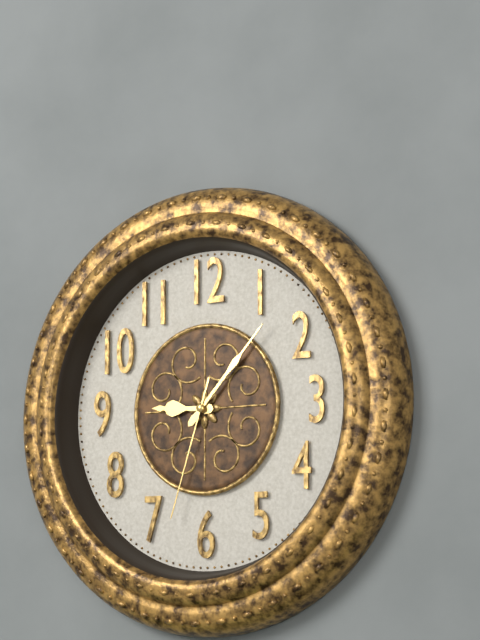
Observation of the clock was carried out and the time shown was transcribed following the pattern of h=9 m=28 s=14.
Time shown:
h=9 m=7 s=33
